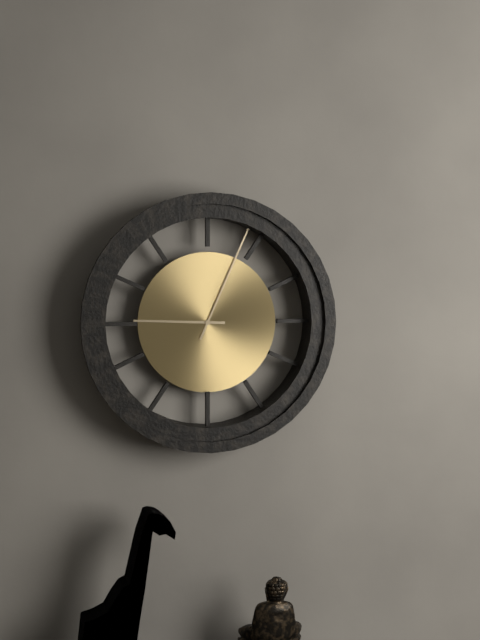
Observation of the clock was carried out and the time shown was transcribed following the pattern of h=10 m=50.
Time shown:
h=9 m=4
